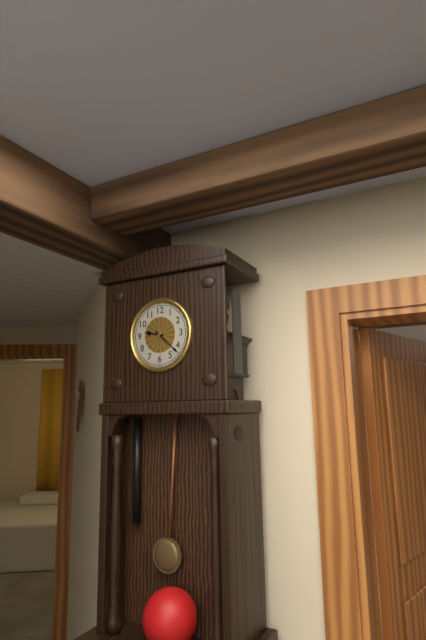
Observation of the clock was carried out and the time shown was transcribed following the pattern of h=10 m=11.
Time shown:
h=9 m=22
